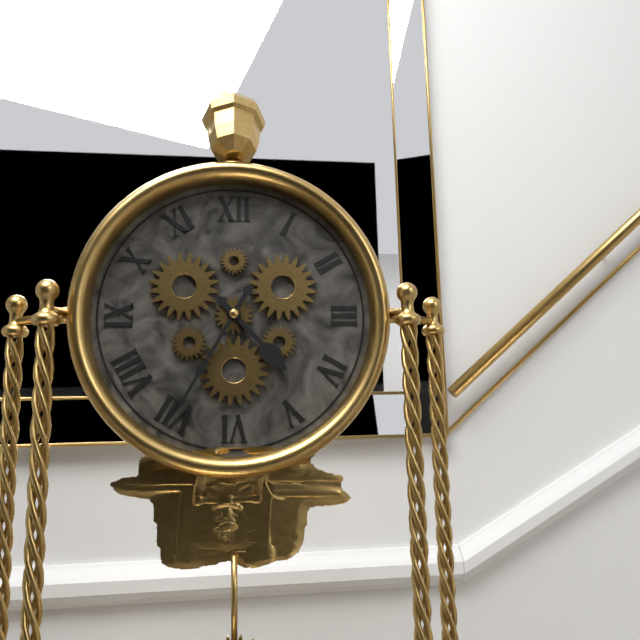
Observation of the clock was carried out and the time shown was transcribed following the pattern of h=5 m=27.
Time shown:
h=4 m=35
